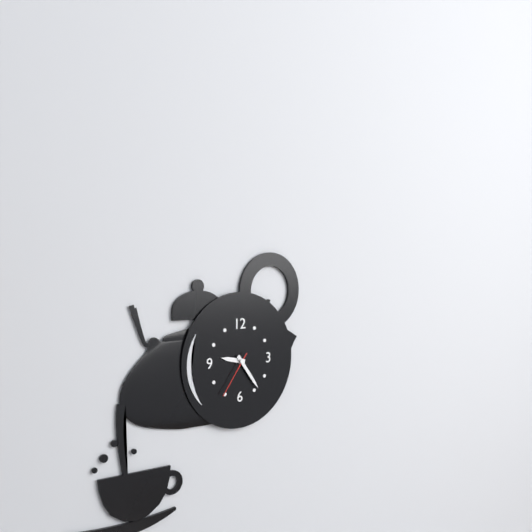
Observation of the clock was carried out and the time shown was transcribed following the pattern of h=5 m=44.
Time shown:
h=9 m=24
